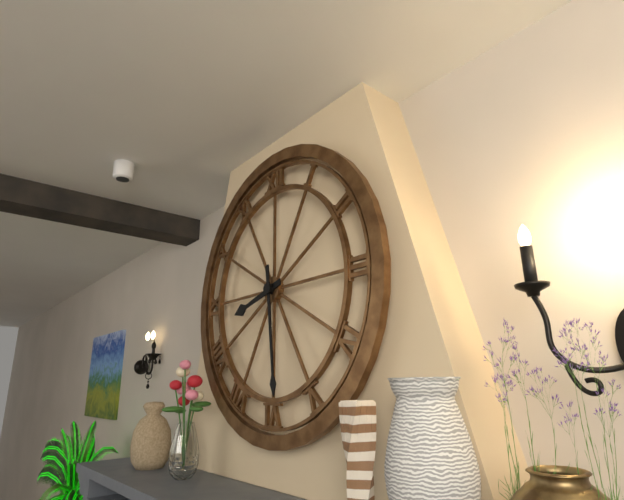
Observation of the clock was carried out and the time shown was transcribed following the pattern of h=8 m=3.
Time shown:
h=8 m=29
